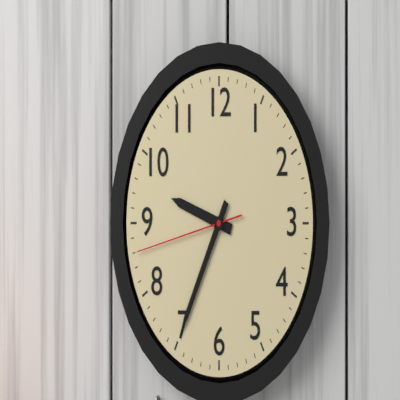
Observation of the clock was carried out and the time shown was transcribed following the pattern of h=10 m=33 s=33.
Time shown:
h=9 m=35 s=43
